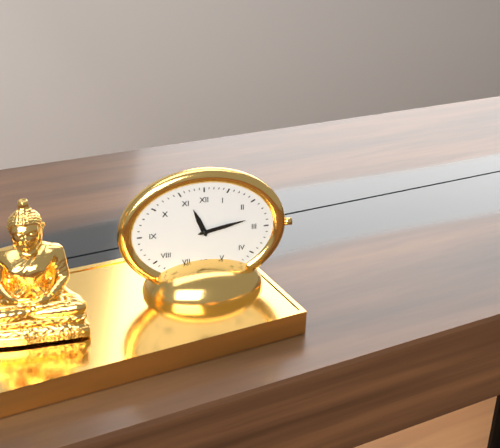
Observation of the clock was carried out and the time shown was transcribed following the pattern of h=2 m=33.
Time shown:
h=11 m=13
